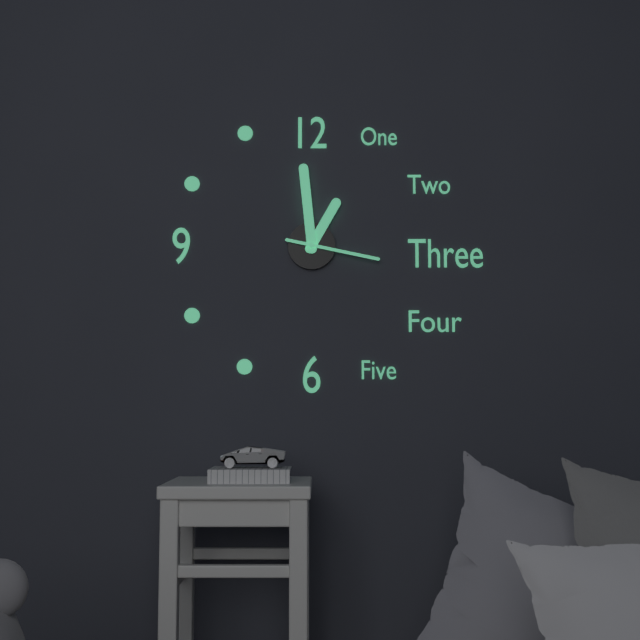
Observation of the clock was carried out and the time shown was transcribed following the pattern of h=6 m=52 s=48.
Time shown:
h=12 m=59 s=17
